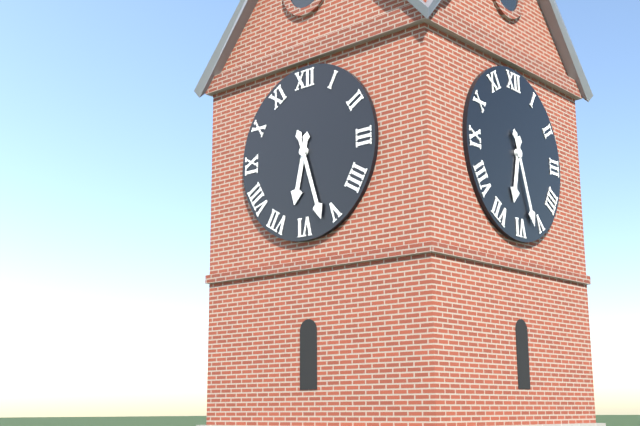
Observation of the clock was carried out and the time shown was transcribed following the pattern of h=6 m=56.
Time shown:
h=6 m=27
